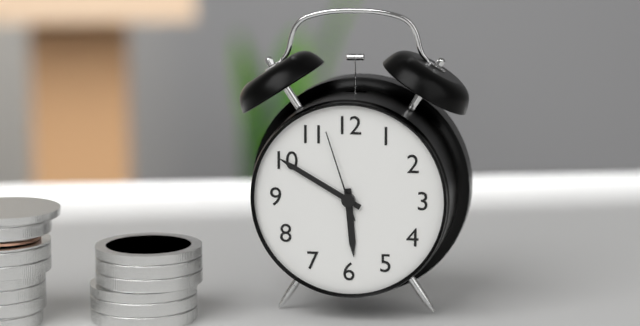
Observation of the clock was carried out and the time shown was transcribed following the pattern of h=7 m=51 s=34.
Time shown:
h=5 m=50 s=57
